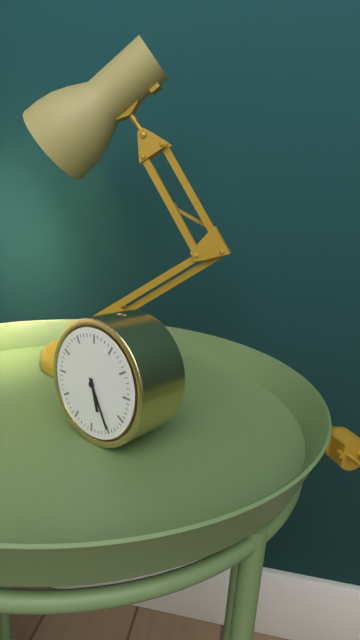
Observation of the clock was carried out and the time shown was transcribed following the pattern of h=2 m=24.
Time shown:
h=5 m=25
